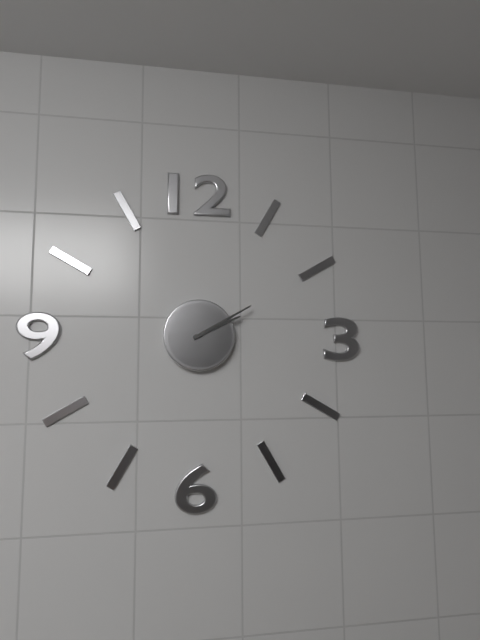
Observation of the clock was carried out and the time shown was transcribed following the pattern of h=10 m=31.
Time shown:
h=2 m=10
